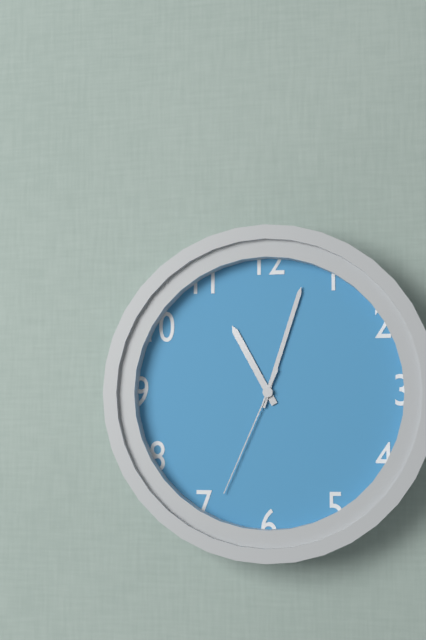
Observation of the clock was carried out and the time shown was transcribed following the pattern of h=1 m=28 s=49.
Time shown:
h=11 m=3 s=34
